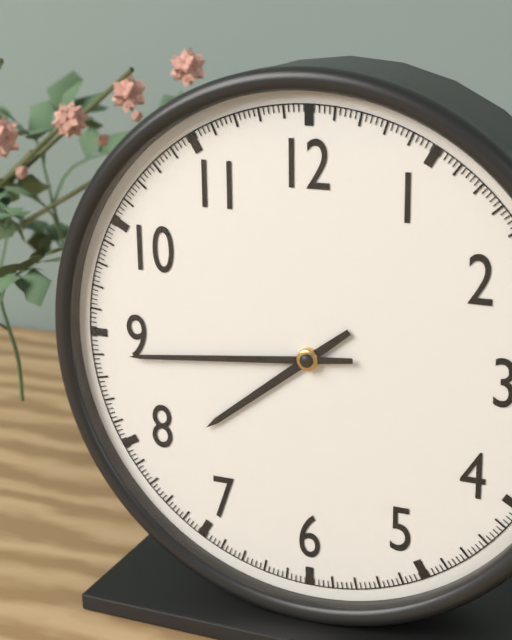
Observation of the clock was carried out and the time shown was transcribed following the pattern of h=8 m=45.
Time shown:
h=7 m=44
